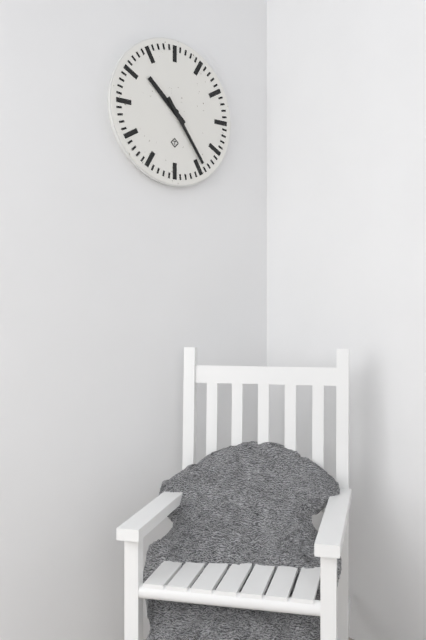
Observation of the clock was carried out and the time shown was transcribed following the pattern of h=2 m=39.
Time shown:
h=10 m=24
